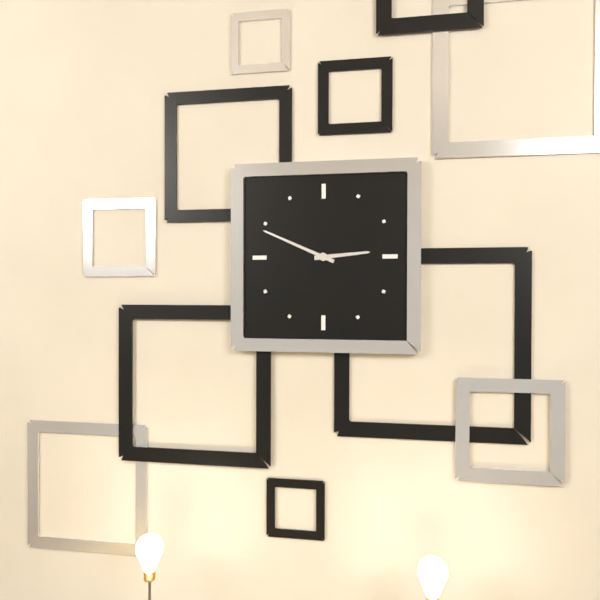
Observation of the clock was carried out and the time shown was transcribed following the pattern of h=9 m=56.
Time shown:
h=2 m=49
